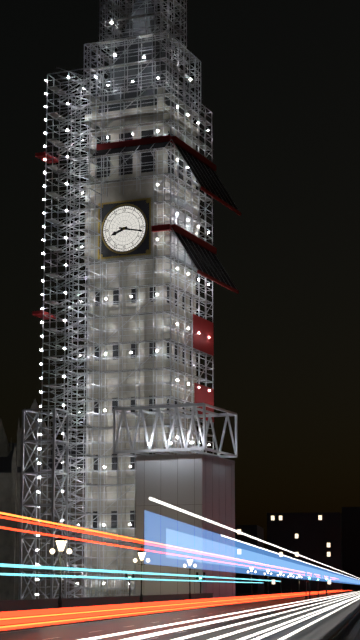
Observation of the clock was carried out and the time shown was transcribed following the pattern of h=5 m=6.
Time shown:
h=8 m=17
